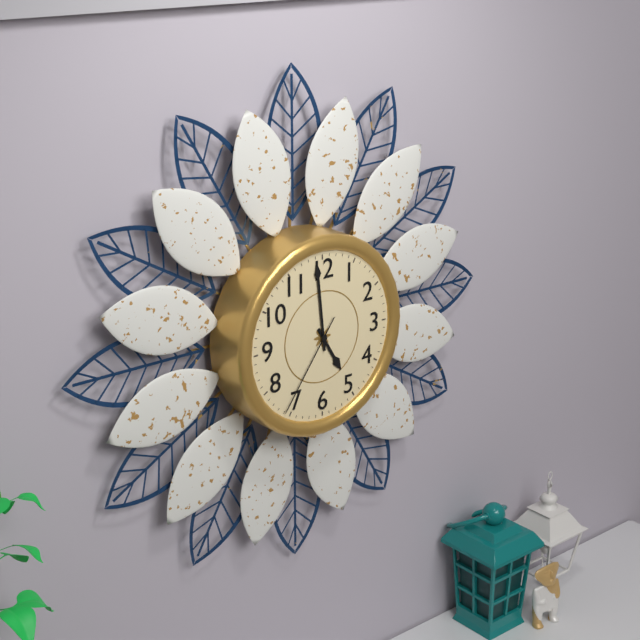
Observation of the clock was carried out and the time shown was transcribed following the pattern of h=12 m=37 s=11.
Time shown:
h=4 m=59 s=36
